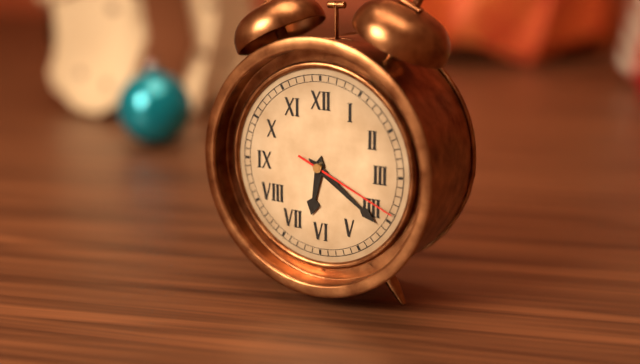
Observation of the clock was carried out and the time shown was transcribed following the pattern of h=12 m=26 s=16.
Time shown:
h=6 m=21 s=19
